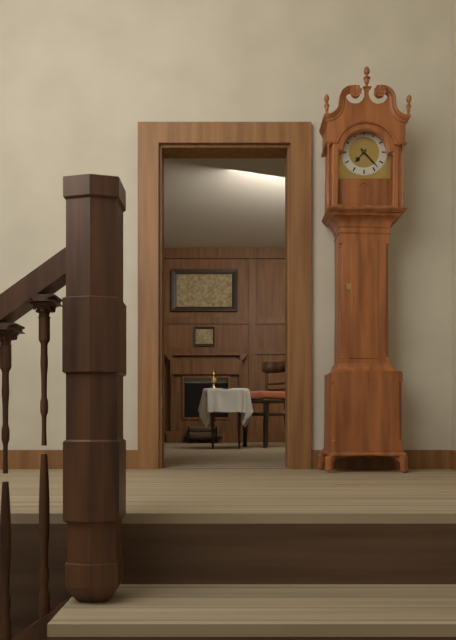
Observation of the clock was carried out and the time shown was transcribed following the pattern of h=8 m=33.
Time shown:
h=7 m=23
